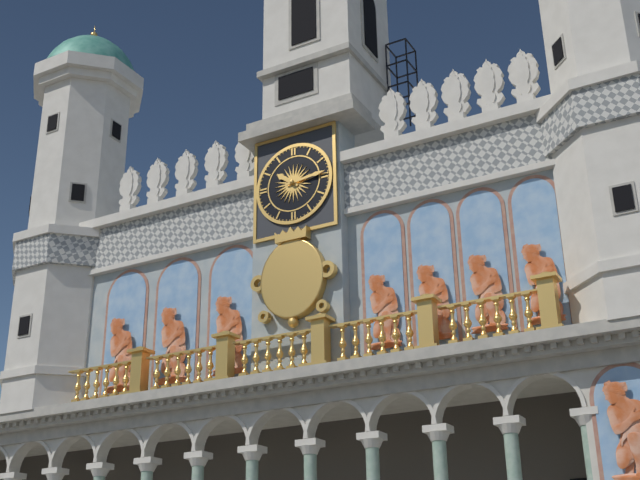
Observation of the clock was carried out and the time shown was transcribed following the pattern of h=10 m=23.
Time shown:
h=10 m=14
